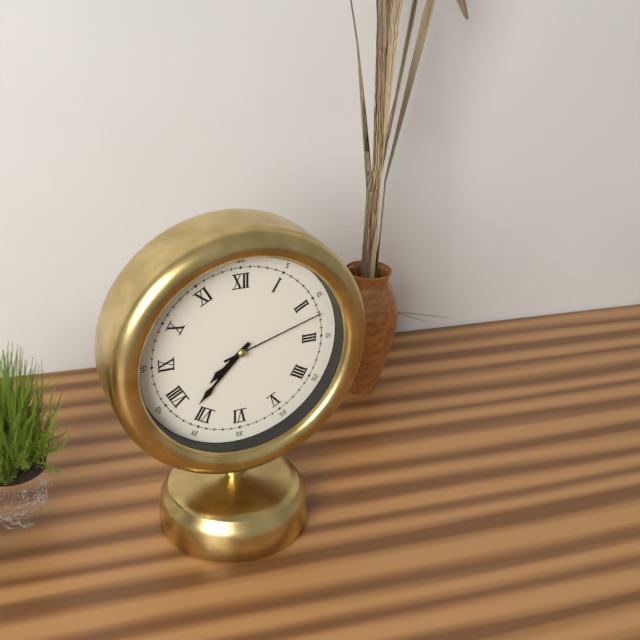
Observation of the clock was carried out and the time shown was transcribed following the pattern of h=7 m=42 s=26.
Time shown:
h=7 m=37 s=12
